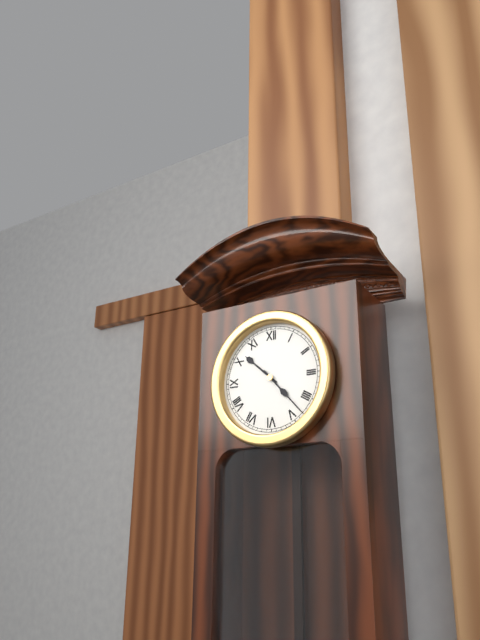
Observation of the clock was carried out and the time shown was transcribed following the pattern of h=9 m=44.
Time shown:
h=10 m=23
